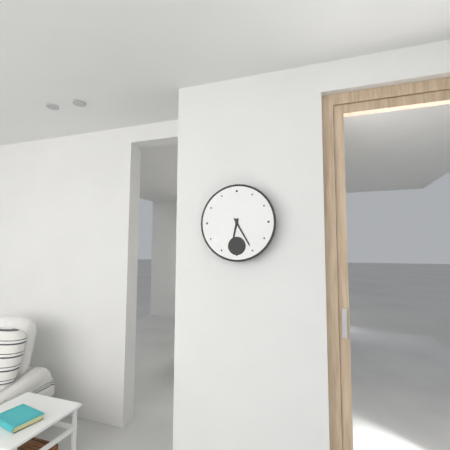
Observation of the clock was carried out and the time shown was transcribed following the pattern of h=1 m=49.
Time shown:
h=6 m=25
